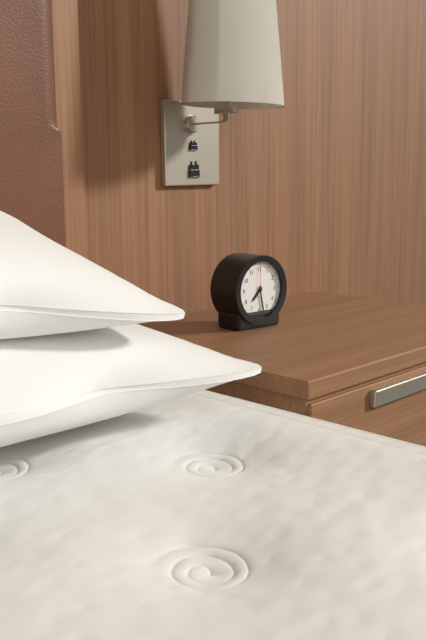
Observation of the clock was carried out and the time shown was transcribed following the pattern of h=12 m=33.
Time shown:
h=7 m=28
